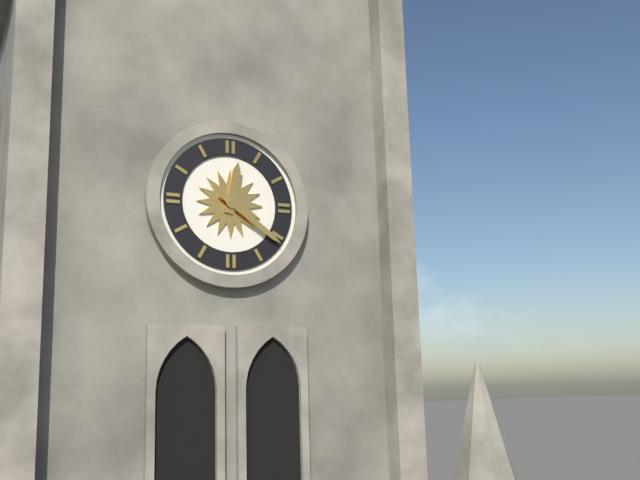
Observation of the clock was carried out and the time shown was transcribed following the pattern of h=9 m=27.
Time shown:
h=12 m=21
